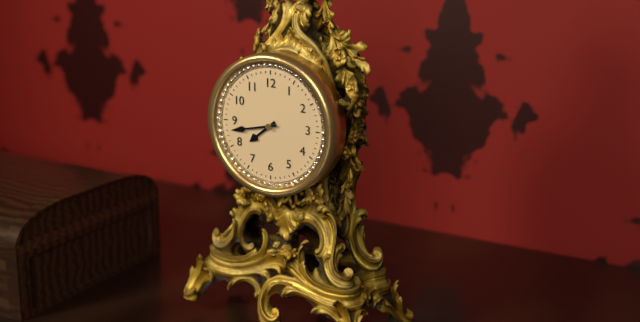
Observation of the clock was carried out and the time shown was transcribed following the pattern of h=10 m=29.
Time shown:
h=7 m=43
